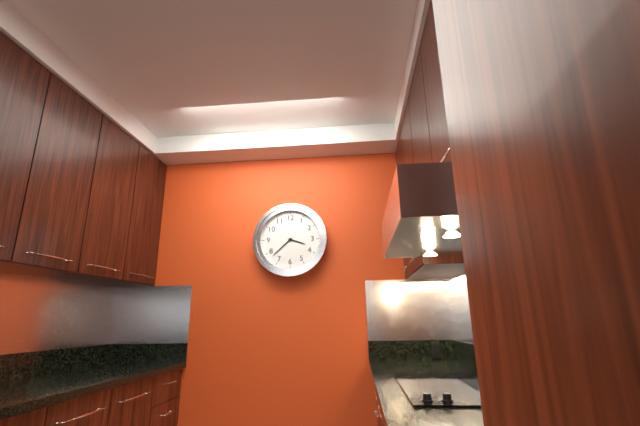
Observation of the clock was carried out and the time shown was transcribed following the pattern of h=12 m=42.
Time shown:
h=3 m=38
